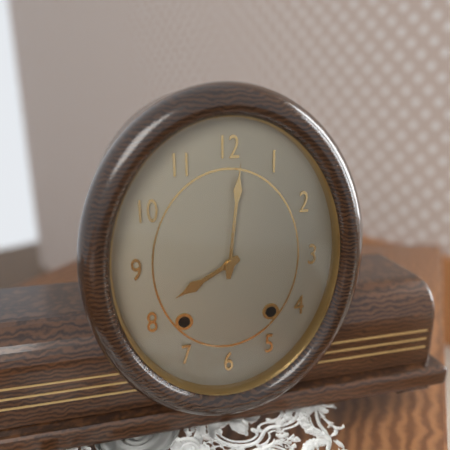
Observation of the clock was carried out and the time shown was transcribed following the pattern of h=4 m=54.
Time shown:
h=8 m=1
